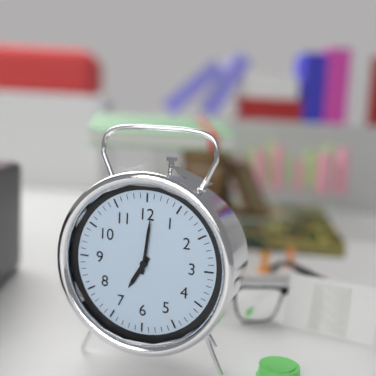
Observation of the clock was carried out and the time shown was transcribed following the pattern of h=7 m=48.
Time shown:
h=7 m=1
